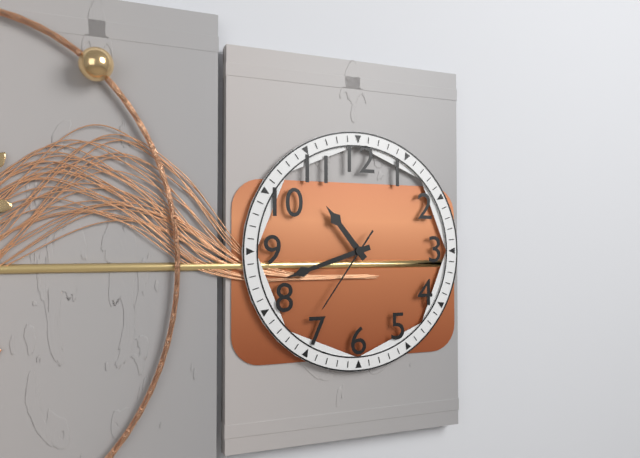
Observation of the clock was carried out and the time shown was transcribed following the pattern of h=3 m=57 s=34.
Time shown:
h=10 m=42 s=36
